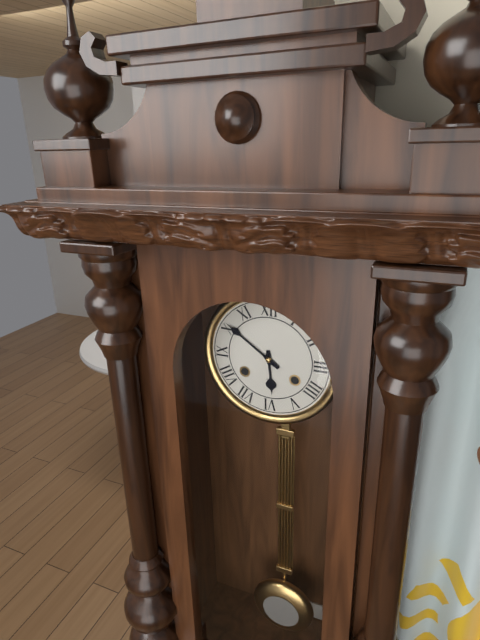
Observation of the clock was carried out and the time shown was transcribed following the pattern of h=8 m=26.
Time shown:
h=5 m=51
